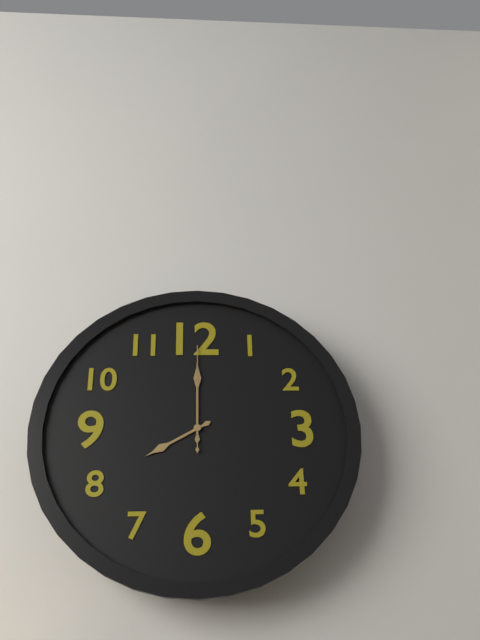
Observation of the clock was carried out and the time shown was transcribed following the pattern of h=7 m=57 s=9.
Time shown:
h=8 m=0 s=0
